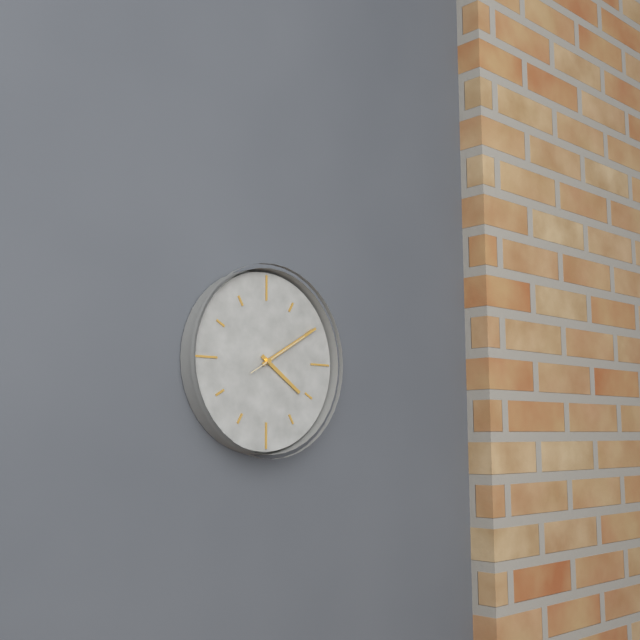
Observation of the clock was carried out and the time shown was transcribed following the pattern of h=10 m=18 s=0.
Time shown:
h=4 m=10 s=10
